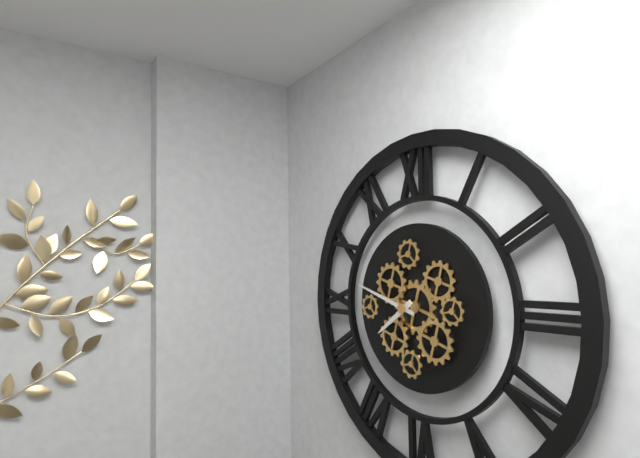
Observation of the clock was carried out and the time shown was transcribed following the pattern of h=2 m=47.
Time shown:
h=7 m=48
